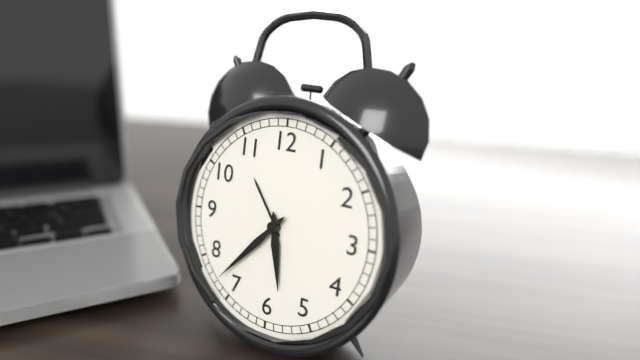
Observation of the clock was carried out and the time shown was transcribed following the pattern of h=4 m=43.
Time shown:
h=5 m=37
